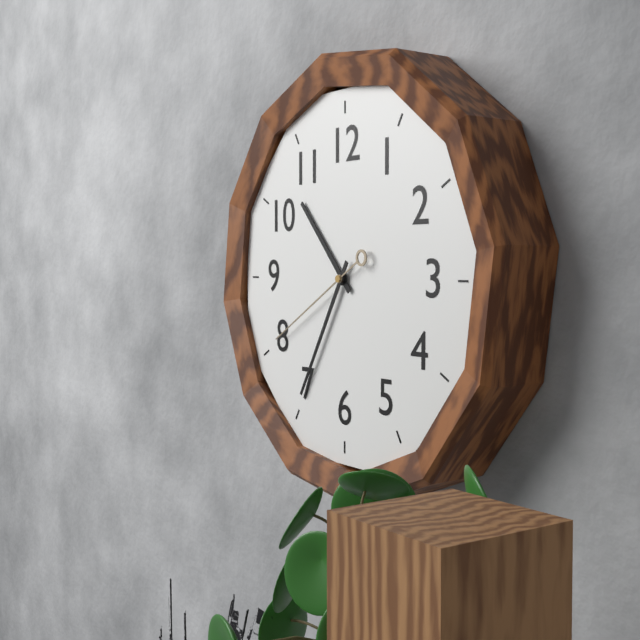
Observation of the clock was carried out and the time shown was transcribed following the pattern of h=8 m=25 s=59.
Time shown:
h=10 m=35 s=40
